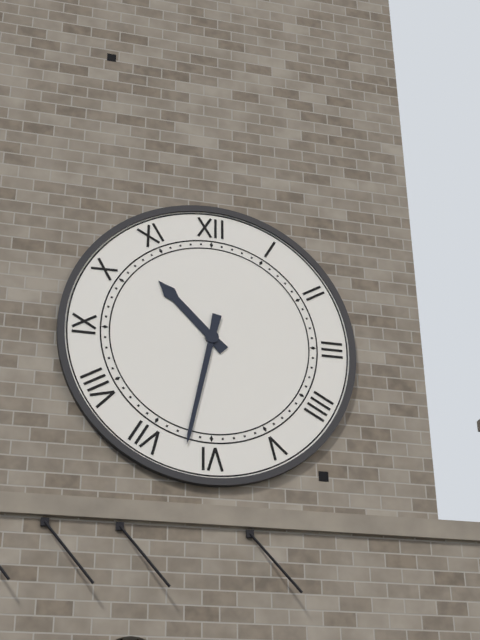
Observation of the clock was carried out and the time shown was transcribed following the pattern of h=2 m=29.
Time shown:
h=10 m=32
